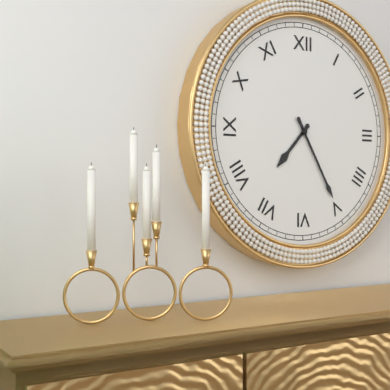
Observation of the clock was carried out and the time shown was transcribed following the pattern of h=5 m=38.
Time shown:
h=7 m=25
